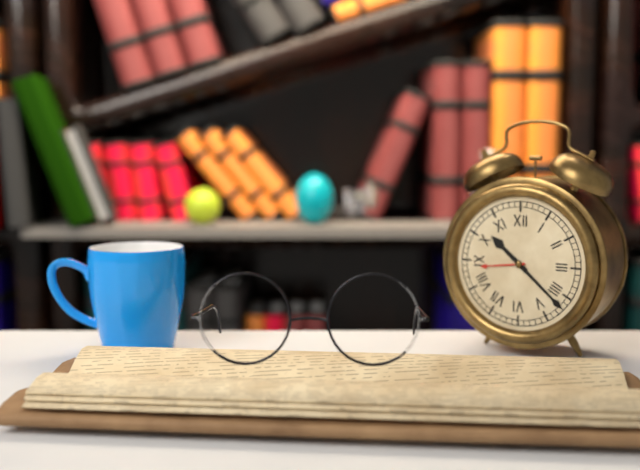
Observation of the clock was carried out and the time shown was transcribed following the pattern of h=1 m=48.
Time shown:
h=10 m=22
